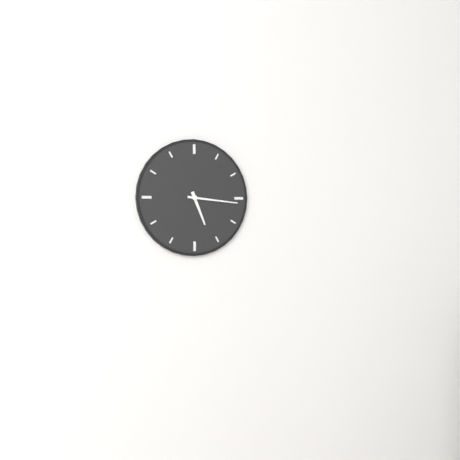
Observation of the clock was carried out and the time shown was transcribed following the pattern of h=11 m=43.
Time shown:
h=5 m=16
